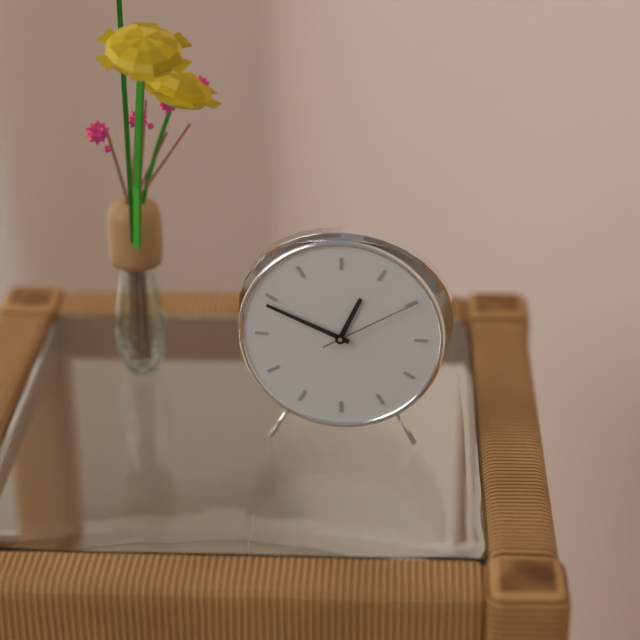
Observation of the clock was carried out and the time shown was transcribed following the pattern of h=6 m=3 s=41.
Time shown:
h=12 m=49 s=10
